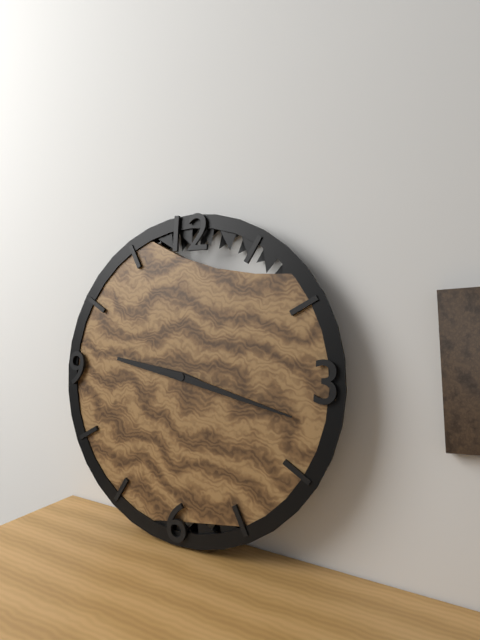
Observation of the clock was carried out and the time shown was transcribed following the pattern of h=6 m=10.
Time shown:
h=9 m=17
